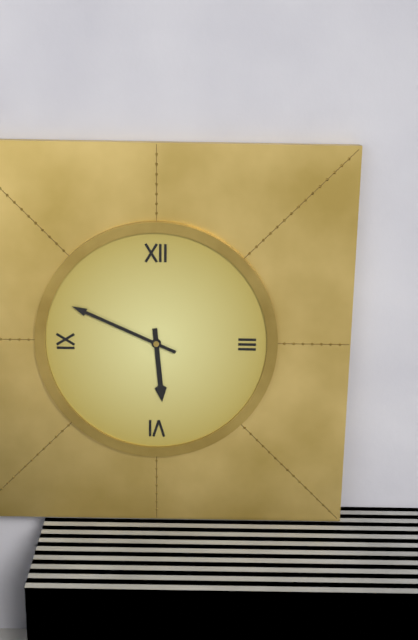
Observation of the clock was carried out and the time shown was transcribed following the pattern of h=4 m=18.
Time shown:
h=5 m=49
